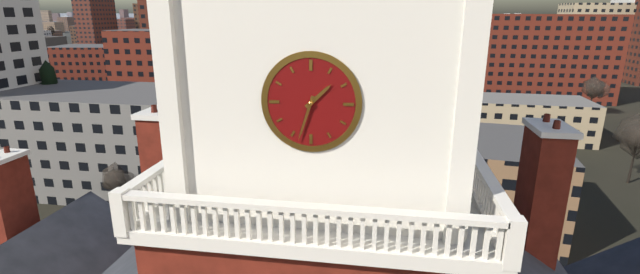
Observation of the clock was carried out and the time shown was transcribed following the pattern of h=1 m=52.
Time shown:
h=1 m=33
